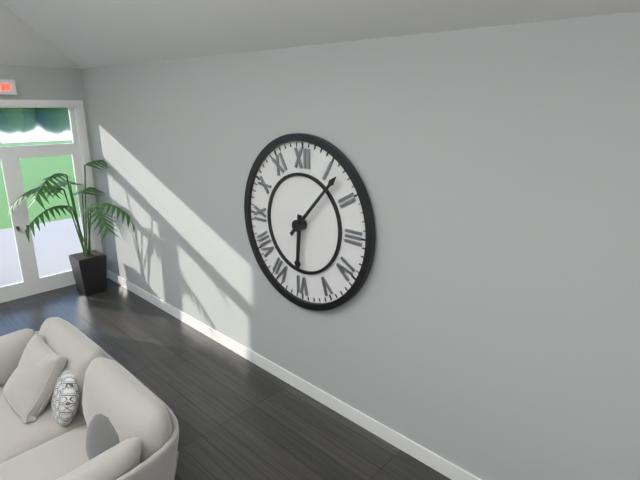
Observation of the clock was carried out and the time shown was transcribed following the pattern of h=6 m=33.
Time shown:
h=6 m=7
